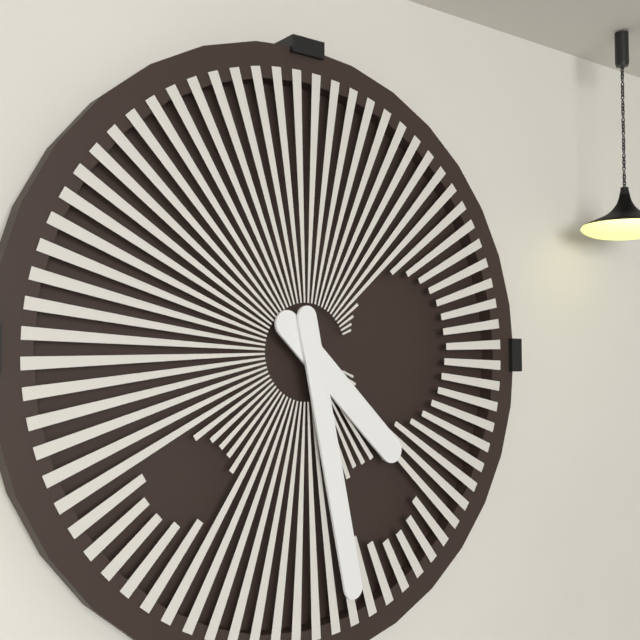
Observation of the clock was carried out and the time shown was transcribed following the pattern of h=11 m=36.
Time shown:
h=4 m=28
